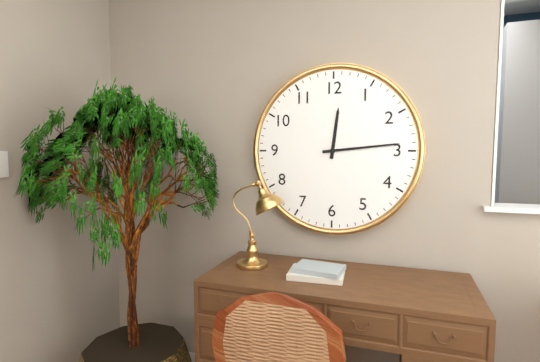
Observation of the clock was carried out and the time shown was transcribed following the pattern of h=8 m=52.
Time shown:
h=12 m=14
